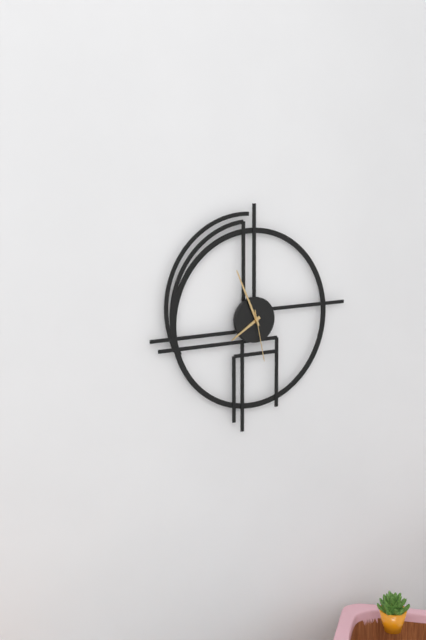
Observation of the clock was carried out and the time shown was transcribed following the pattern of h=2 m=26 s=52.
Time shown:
h=7 m=56 s=28
